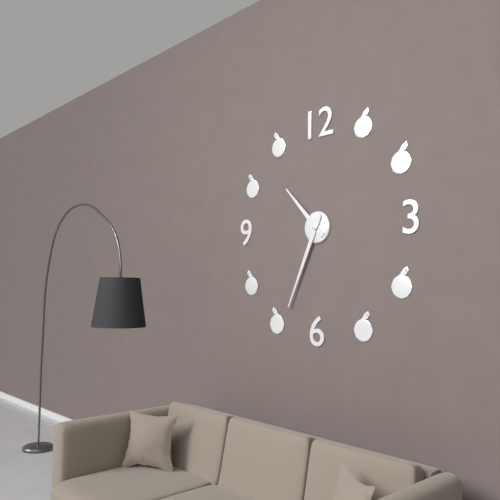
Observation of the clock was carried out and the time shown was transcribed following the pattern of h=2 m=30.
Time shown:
h=10 m=34
